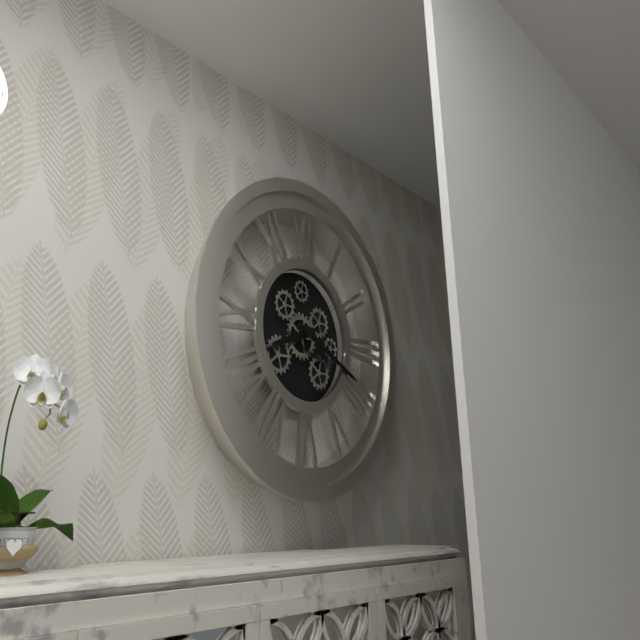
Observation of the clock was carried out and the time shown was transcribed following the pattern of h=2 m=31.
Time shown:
h=8 m=19
